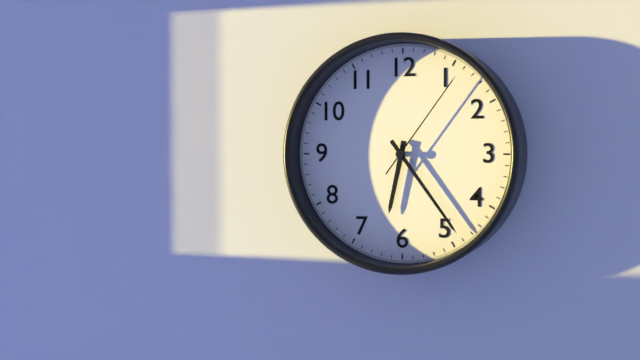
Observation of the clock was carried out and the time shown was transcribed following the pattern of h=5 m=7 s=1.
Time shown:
h=6 m=24 s=6
